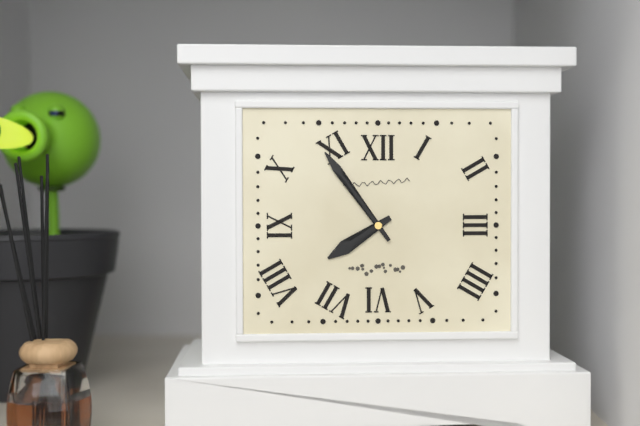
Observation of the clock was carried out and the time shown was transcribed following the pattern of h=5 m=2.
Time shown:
h=7 m=54
